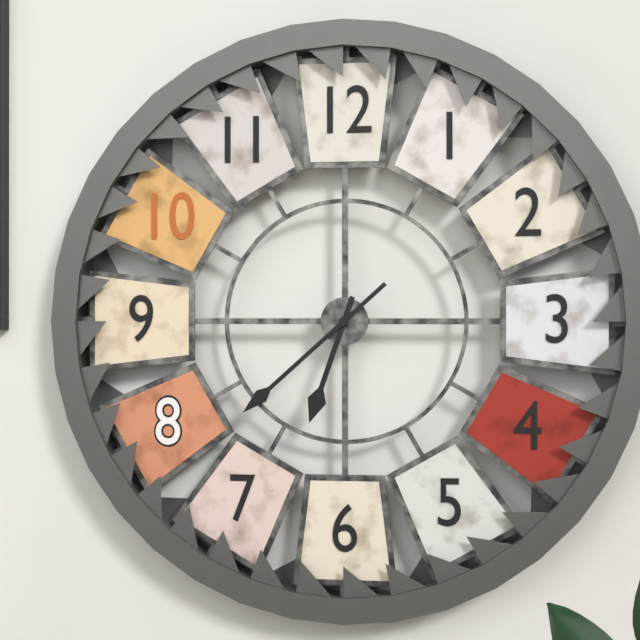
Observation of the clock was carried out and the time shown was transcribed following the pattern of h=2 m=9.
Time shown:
h=6 m=38
